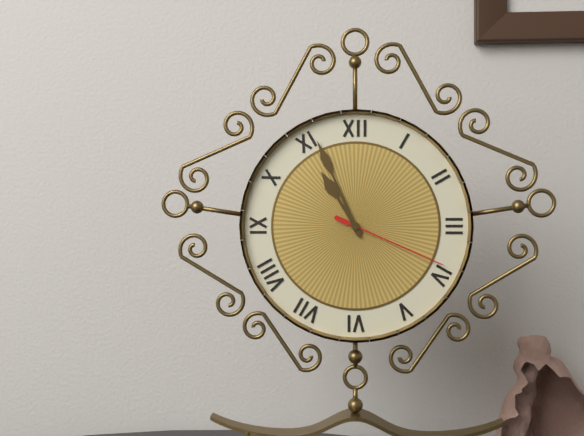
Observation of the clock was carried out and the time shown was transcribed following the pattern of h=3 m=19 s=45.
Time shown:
h=10 m=56 s=19
